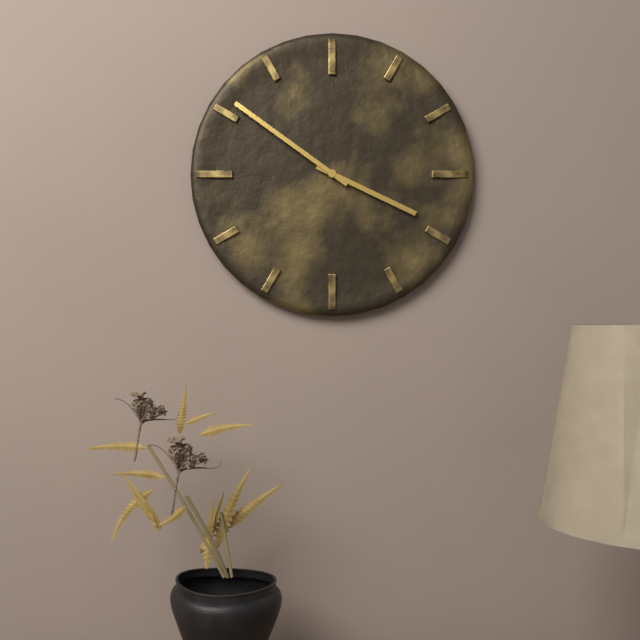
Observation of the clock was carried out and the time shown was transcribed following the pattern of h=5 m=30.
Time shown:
h=3 m=51
